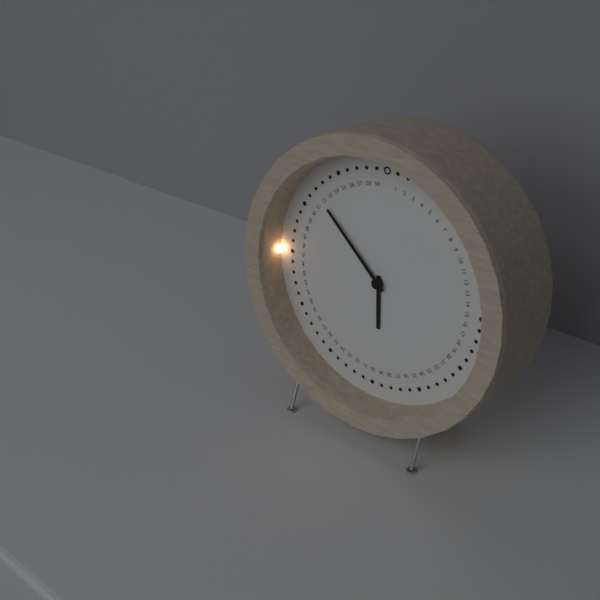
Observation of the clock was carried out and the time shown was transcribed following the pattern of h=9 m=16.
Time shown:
h=5 m=52
